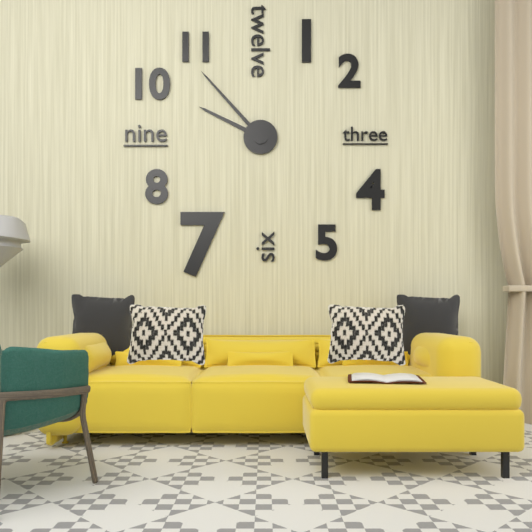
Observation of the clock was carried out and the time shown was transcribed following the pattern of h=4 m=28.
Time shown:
h=9 m=53
